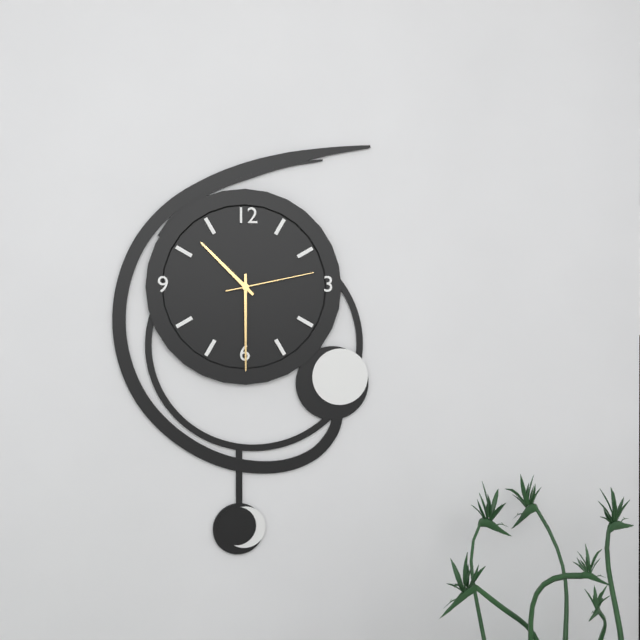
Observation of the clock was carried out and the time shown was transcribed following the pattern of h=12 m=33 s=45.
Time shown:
h=10 m=30 s=13
